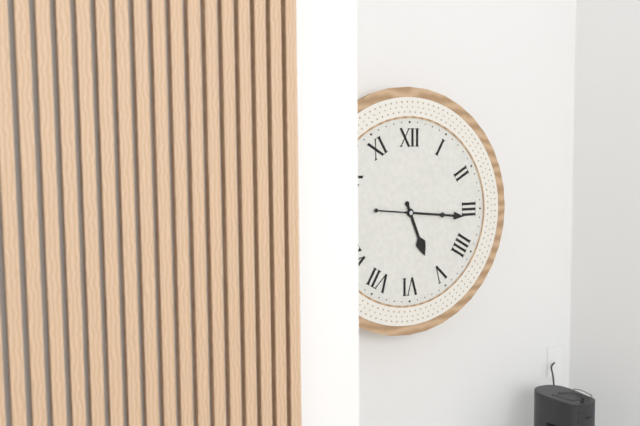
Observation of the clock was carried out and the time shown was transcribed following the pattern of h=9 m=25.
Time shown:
h=5 m=16
